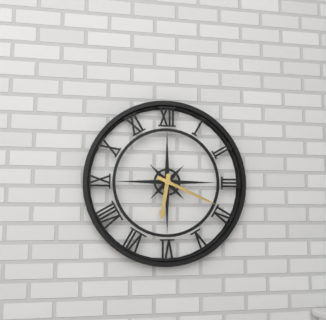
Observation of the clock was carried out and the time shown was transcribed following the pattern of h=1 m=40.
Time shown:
h=6 m=19
